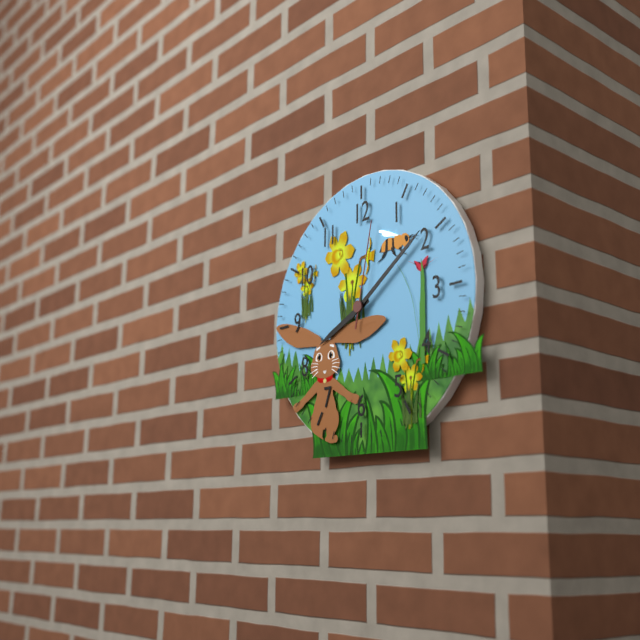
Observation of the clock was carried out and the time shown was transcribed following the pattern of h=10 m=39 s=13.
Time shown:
h=8 m=9 s=2
